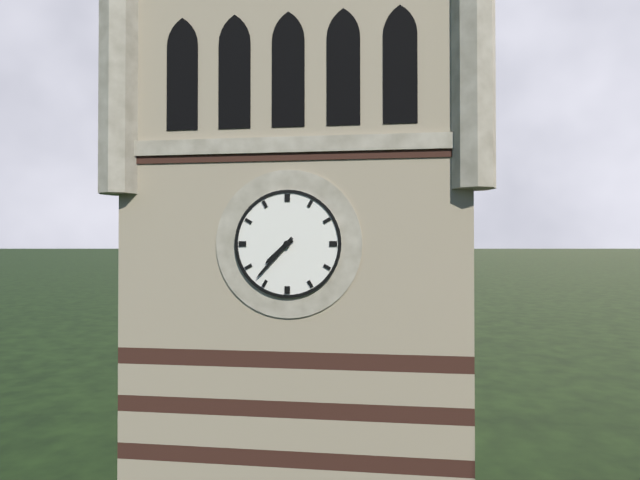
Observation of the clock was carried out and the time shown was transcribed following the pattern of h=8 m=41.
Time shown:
h=7 m=37
